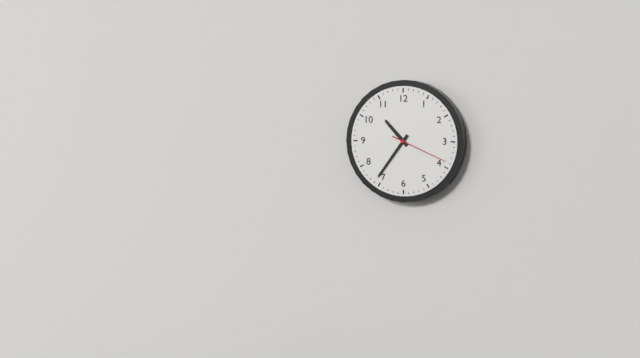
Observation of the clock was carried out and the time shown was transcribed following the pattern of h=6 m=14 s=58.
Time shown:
h=10 m=36 s=19
